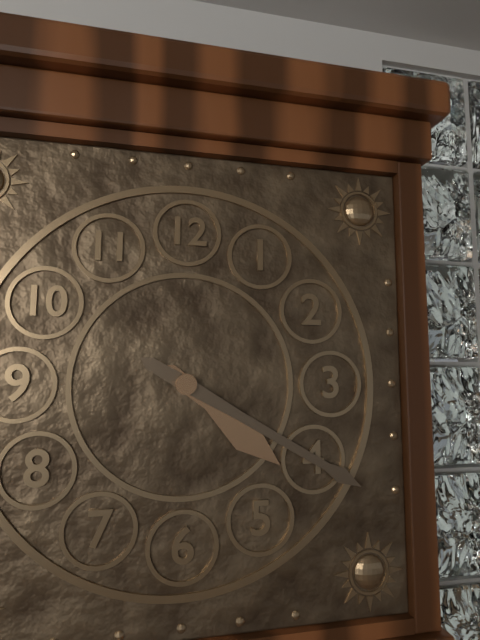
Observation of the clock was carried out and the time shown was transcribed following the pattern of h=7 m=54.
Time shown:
h=4 m=20
